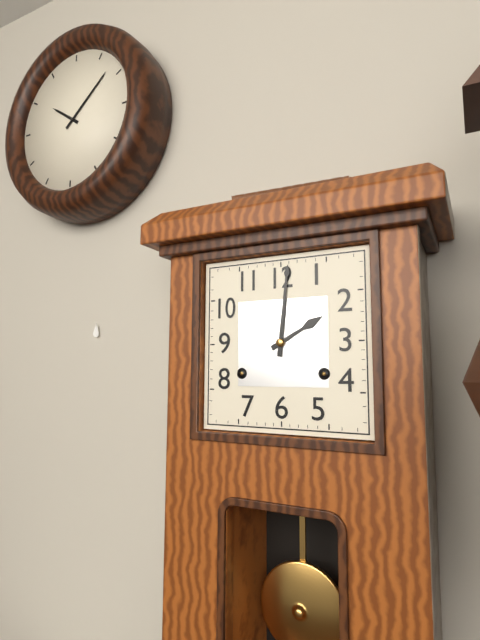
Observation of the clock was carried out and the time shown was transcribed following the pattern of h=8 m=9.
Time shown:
h=2 m=1
